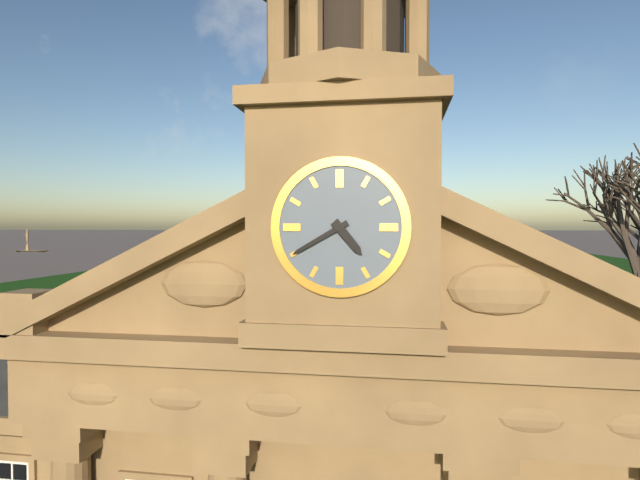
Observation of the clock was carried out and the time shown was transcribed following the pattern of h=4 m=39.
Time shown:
h=4 m=40
